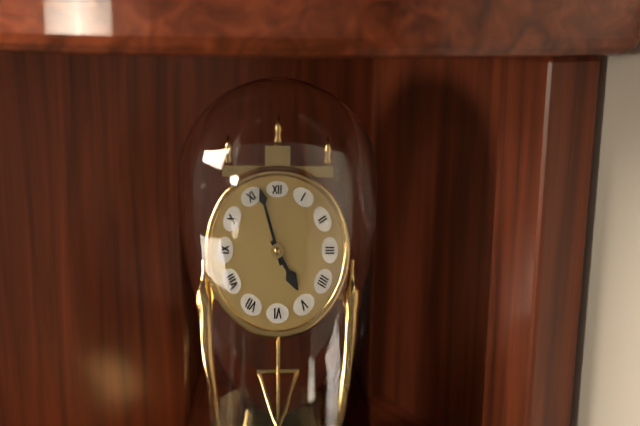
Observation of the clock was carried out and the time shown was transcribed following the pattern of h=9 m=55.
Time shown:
h=4 m=57
